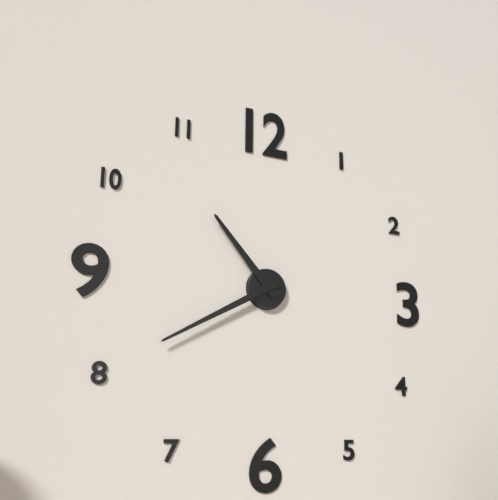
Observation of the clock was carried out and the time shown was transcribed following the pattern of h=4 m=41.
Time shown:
h=10 m=40
